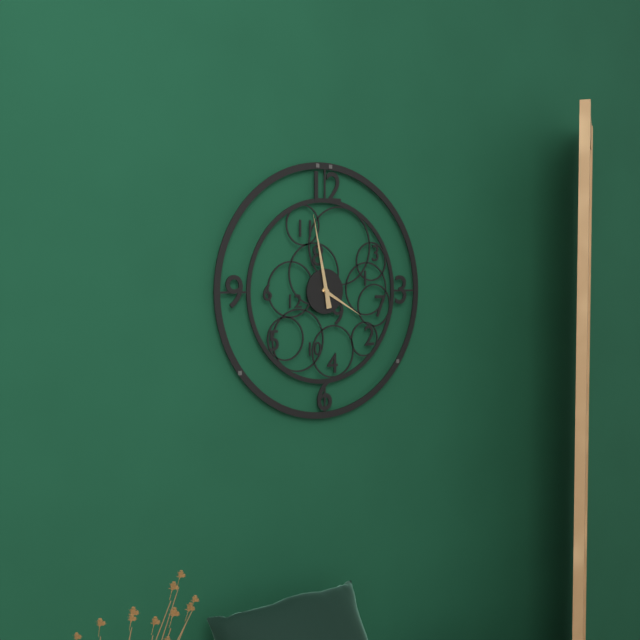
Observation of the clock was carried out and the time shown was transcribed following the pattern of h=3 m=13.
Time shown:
h=3 m=58
